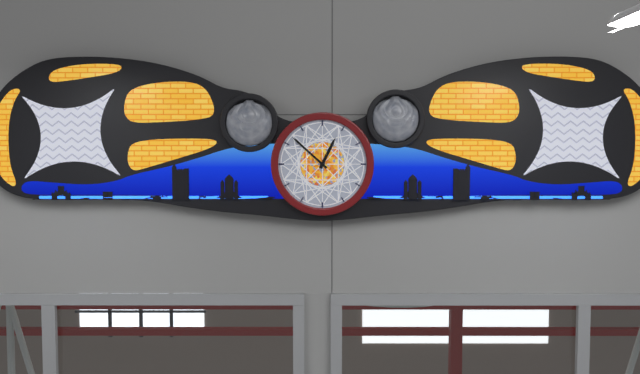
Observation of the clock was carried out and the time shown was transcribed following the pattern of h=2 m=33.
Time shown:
h=12 m=52
